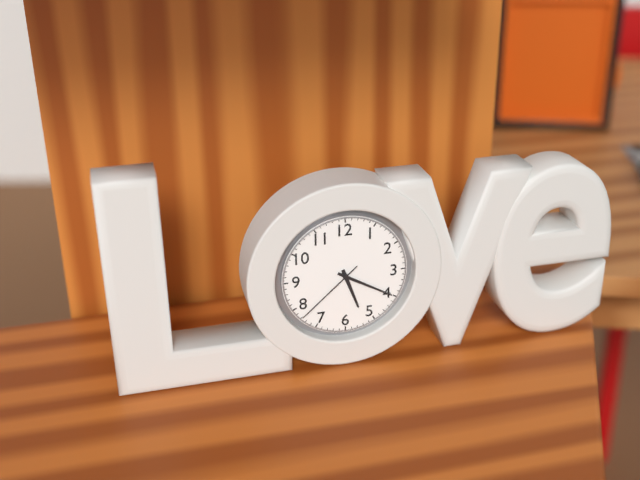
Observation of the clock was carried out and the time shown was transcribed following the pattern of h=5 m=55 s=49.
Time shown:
h=5 m=20 s=38
